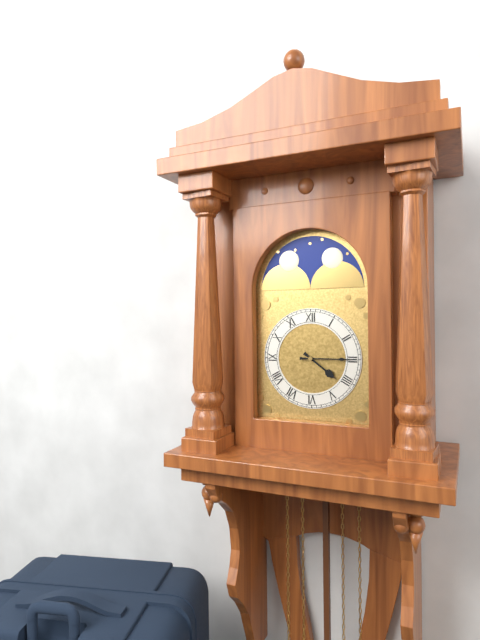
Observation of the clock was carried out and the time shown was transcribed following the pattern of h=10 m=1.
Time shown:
h=4 m=15
